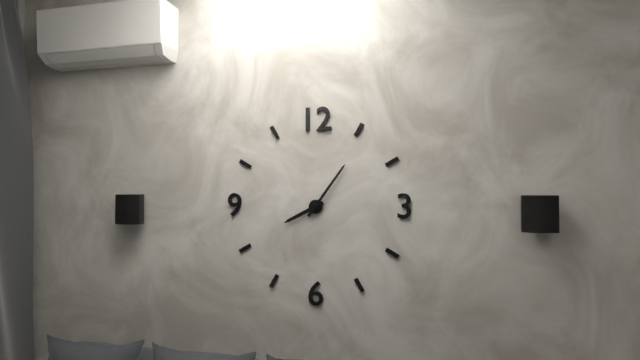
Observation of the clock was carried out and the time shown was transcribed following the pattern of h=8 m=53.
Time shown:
h=8 m=6
